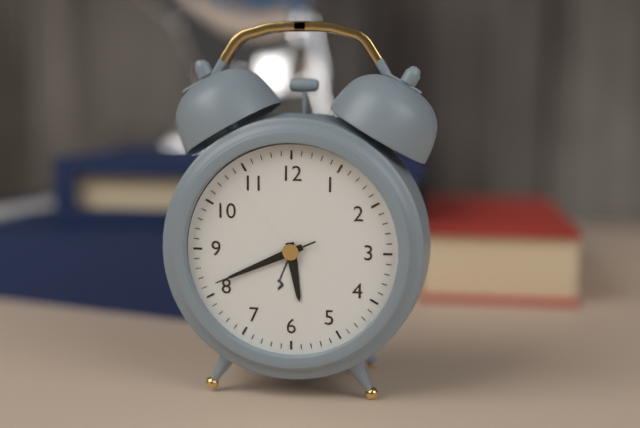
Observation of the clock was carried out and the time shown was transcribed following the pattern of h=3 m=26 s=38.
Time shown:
h=5 m=41 s=41
